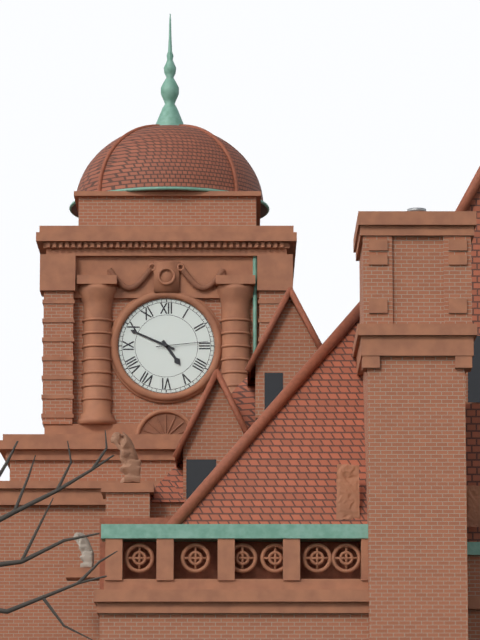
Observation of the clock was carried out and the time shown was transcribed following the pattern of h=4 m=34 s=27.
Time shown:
h=4 m=49 s=14
